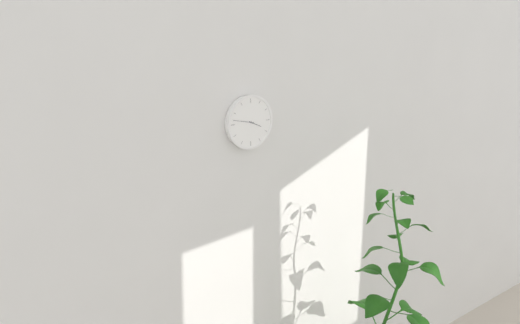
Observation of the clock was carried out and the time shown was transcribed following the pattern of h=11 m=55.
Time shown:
h=3 m=47
